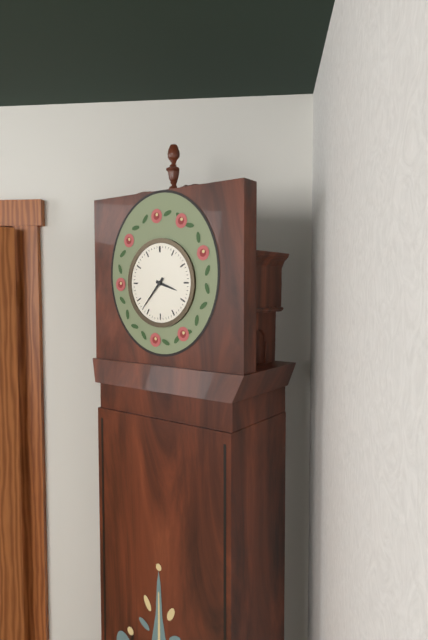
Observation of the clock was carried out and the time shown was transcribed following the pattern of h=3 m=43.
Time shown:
h=3 m=37
